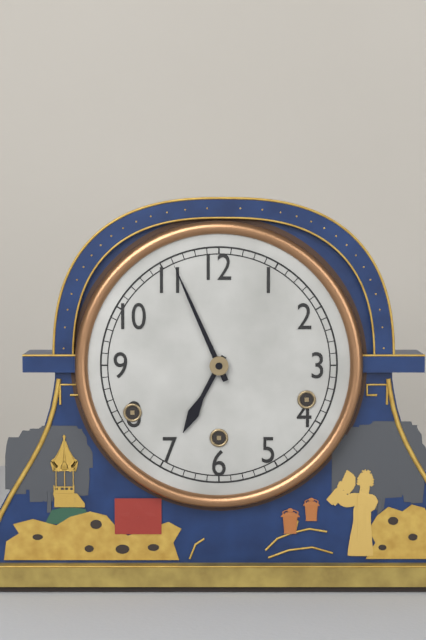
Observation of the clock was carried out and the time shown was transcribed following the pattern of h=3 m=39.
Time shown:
h=6 m=56
